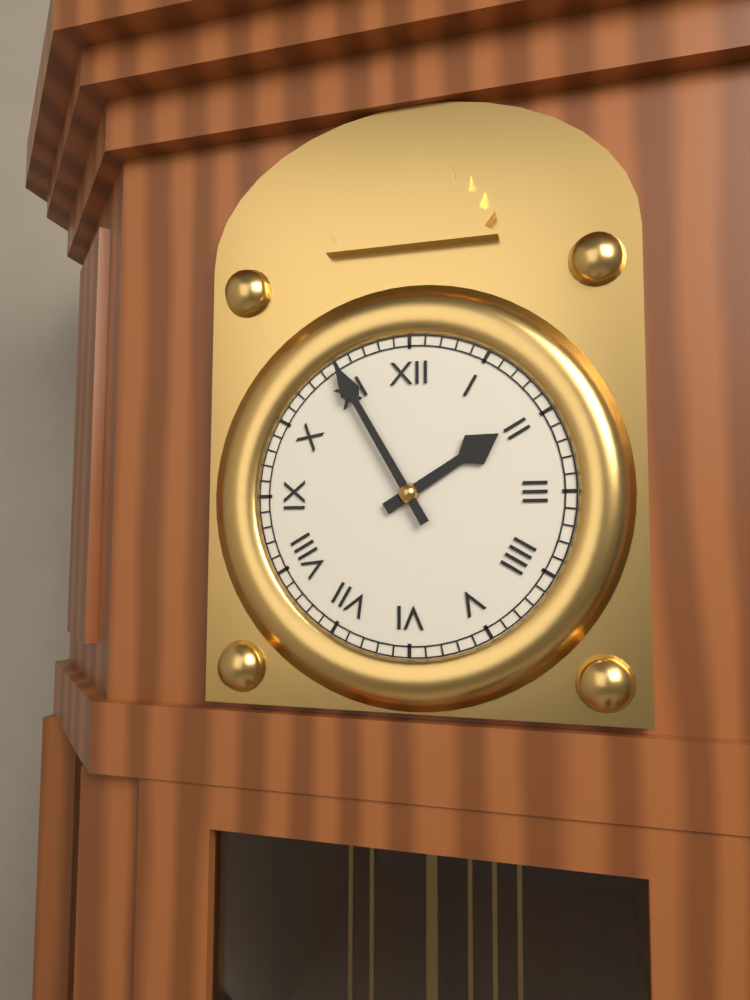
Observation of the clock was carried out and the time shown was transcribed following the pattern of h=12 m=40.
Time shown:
h=1 m=55
